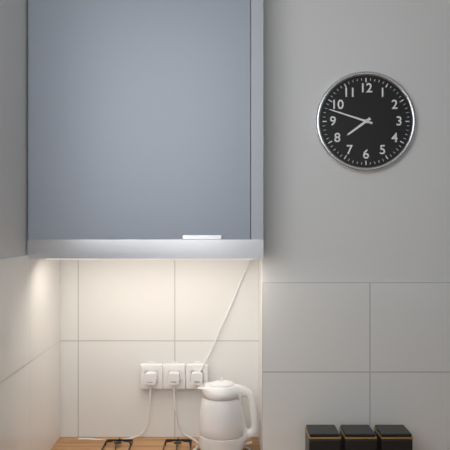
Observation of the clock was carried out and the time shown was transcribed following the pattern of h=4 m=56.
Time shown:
h=7 m=48
